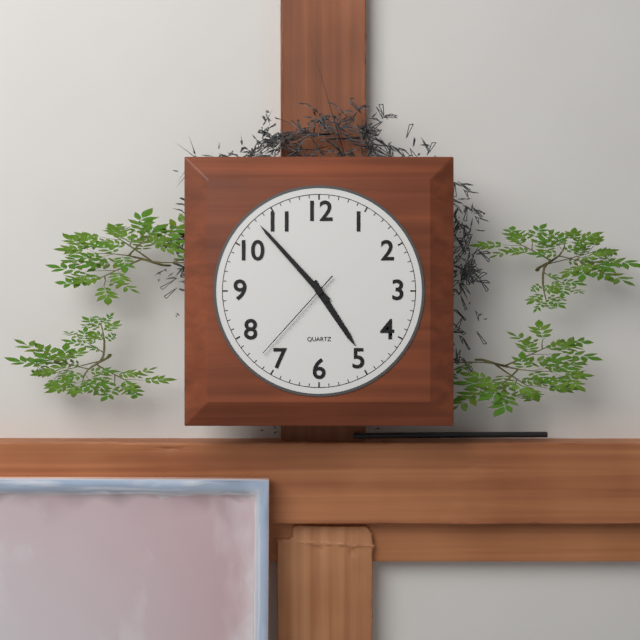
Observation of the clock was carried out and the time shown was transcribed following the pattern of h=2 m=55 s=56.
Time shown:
h=4 m=53 s=37
